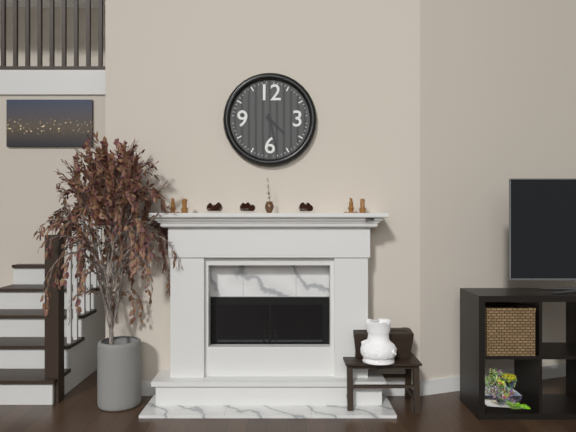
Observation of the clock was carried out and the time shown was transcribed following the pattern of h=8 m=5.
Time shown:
h=4 m=28
